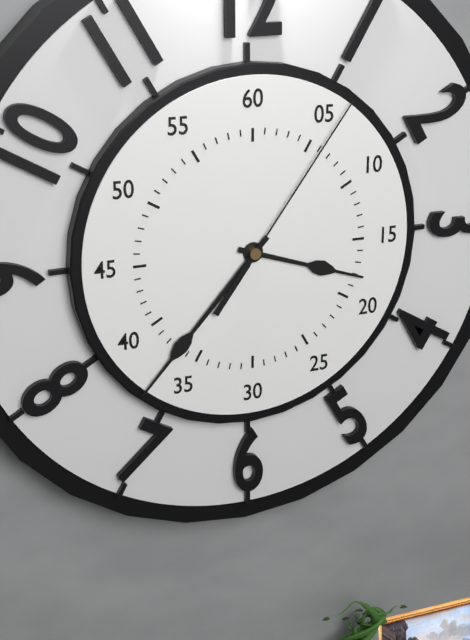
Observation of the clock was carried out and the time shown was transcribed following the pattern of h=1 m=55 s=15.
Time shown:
h=3 m=37 s=6
